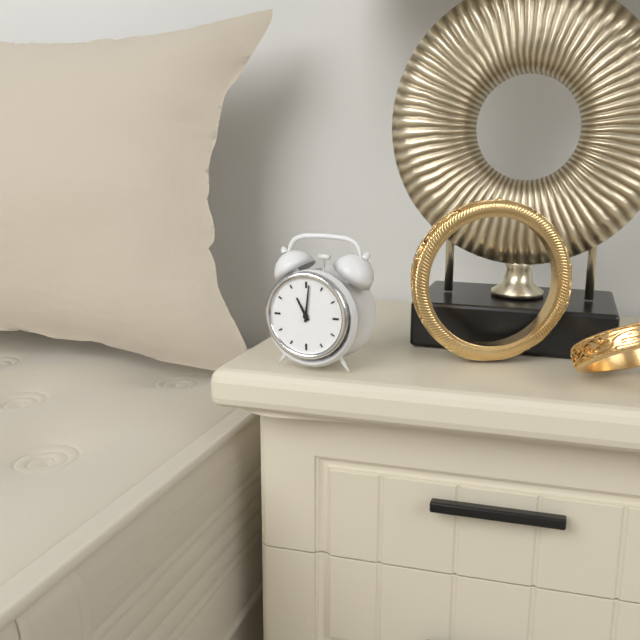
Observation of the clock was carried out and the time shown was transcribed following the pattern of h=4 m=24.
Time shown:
h=11 m=1
